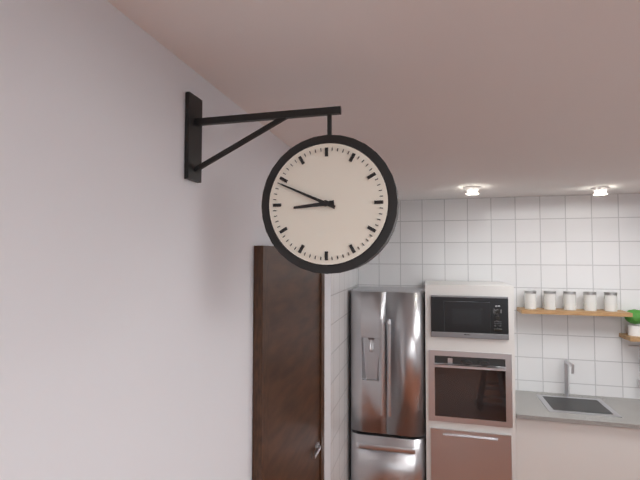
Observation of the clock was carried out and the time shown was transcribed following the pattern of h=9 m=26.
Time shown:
h=8 m=49
